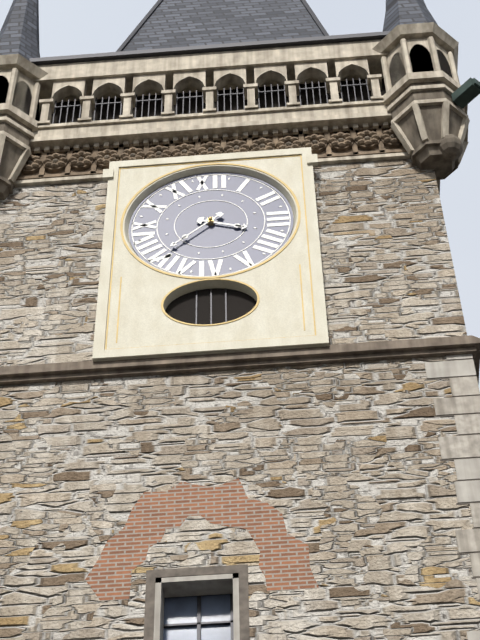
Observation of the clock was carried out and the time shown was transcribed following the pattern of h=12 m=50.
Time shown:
h=3 m=38
